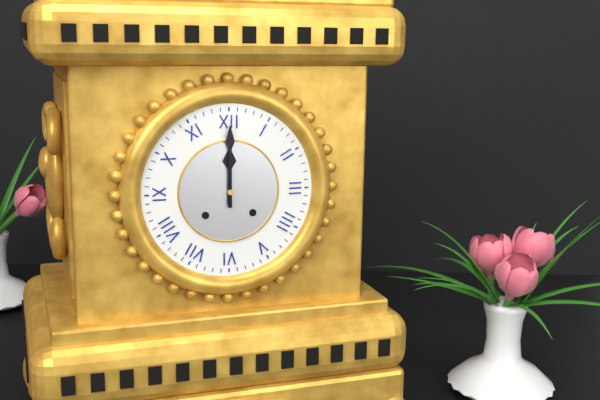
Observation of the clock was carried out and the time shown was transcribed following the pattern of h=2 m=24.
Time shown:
h=12 m=0
